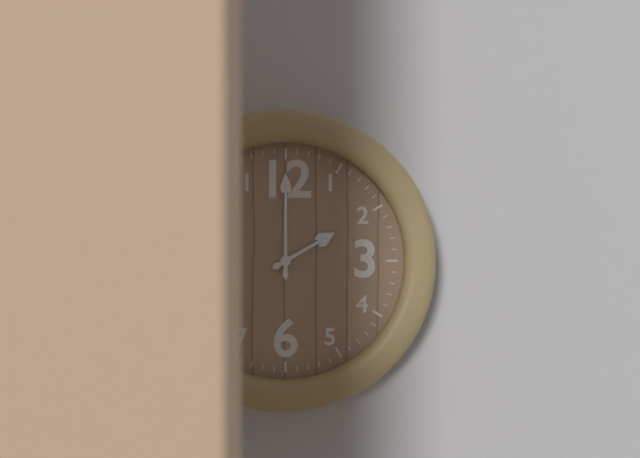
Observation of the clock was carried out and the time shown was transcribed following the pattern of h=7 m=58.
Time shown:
h=2 m=0
